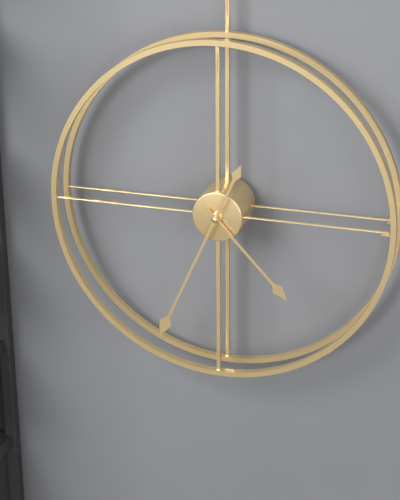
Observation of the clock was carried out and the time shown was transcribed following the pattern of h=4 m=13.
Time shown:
h=4 m=34
